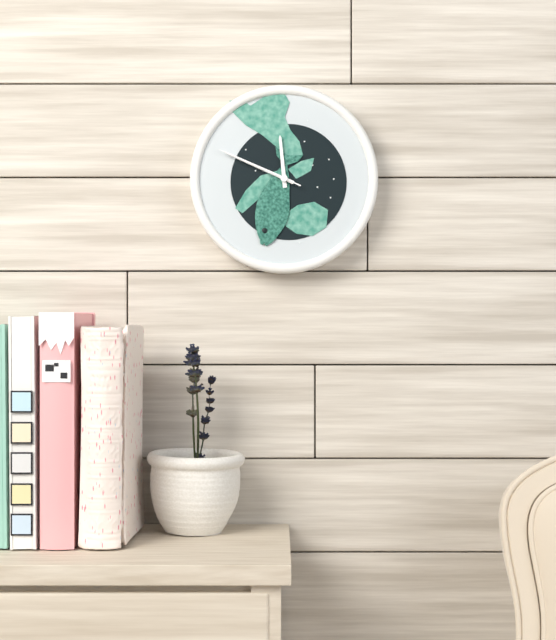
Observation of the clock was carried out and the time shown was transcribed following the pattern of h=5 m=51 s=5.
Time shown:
h=11 m=49 s=49
